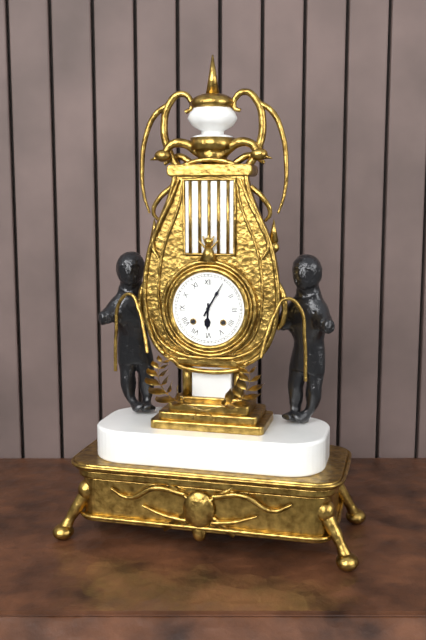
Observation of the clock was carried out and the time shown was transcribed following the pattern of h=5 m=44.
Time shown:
h=6 m=5
